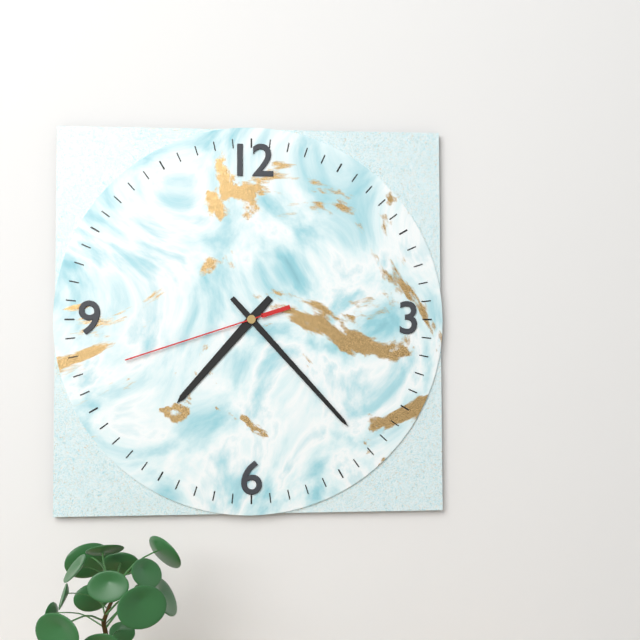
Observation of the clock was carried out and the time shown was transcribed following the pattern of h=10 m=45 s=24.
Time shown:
h=7 m=23 s=42
